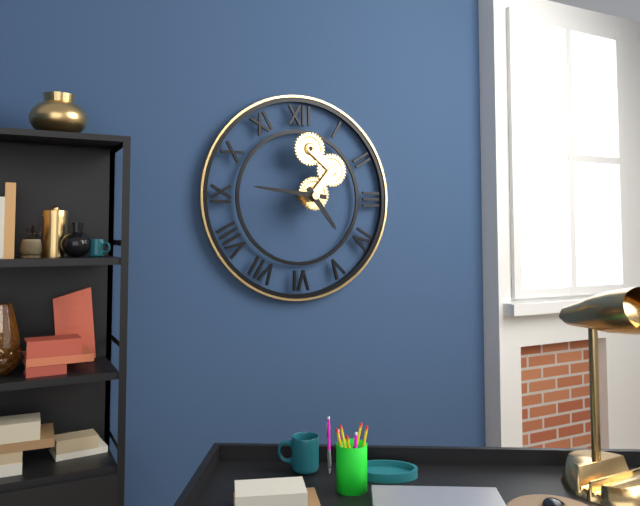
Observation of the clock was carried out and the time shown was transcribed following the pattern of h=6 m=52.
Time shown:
h=4 m=46
